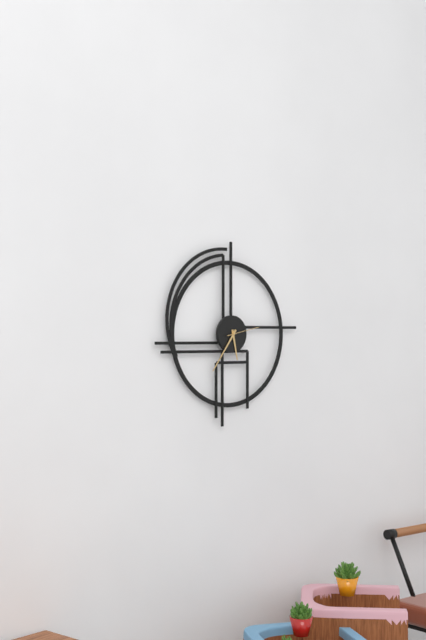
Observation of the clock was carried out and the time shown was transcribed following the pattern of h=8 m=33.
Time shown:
h=5 m=36
